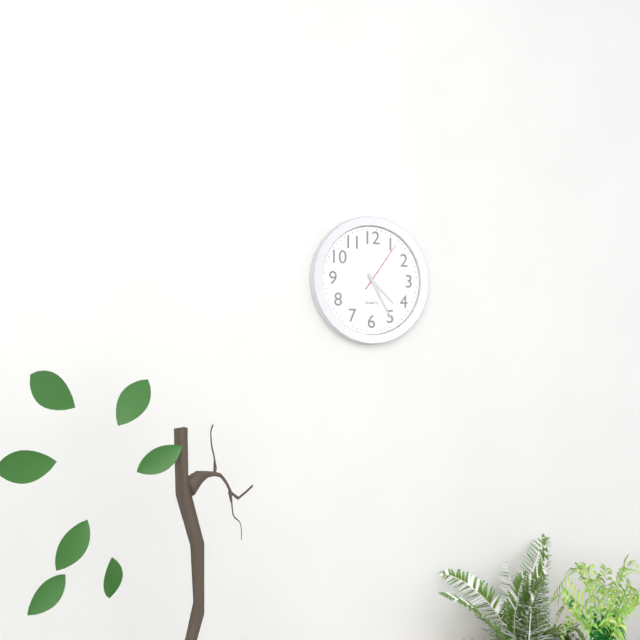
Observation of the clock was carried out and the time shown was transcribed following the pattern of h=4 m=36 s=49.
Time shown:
h=4 m=25 s=6
